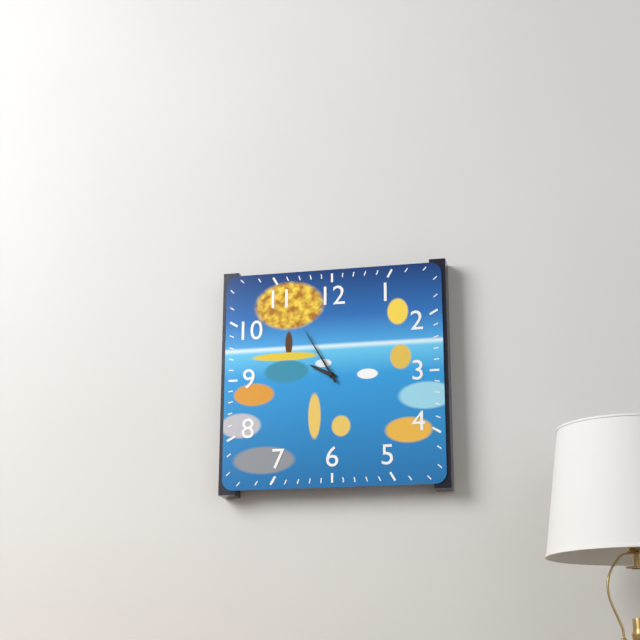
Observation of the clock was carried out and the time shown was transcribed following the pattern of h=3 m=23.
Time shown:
h=9 m=55
